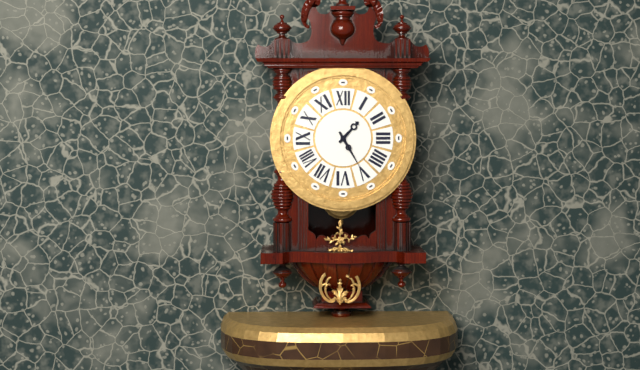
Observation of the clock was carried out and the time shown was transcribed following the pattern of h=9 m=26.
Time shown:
h=1 m=25
